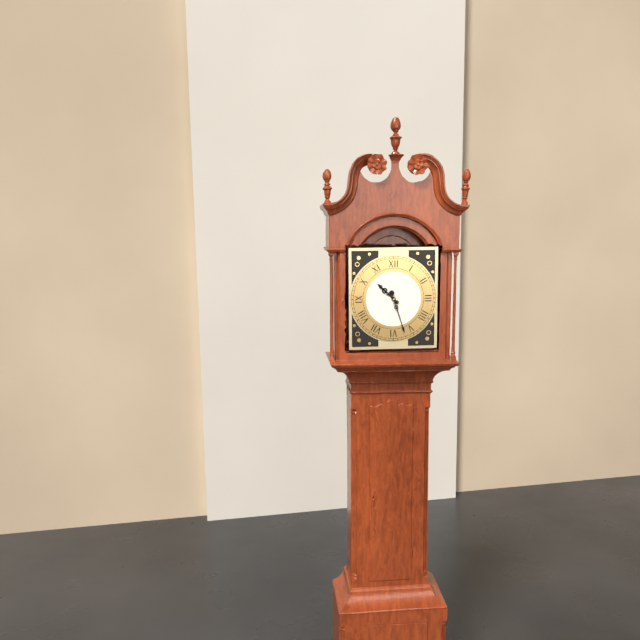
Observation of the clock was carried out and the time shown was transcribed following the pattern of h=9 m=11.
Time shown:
h=10 m=27
